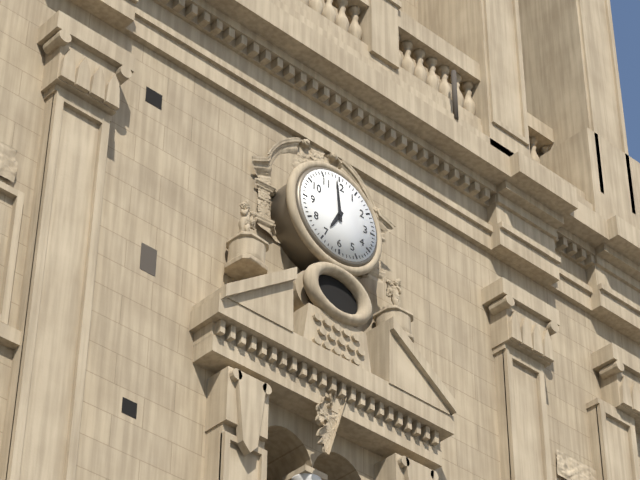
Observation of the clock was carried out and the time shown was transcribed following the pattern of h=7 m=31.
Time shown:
h=6 m=59
